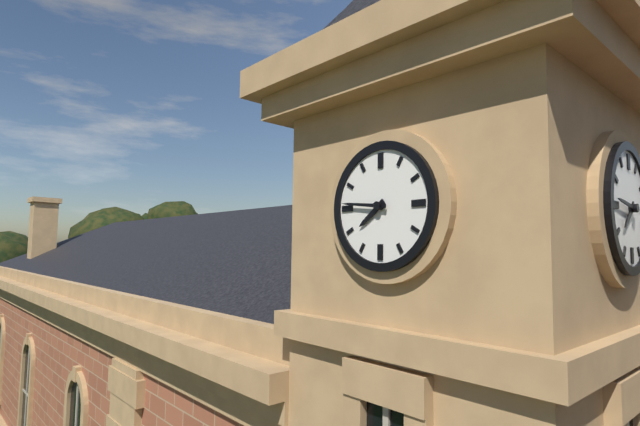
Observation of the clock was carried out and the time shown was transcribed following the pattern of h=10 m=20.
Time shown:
h=7 m=46
